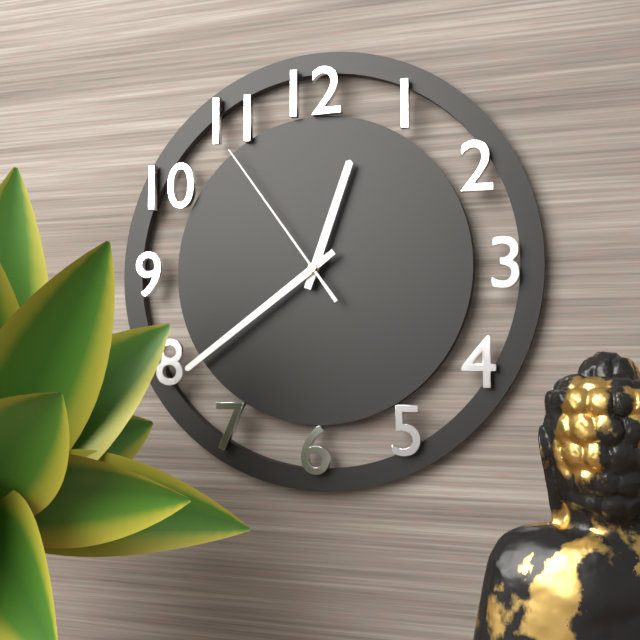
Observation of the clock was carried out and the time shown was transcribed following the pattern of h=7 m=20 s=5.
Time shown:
h=12 m=39 s=54
